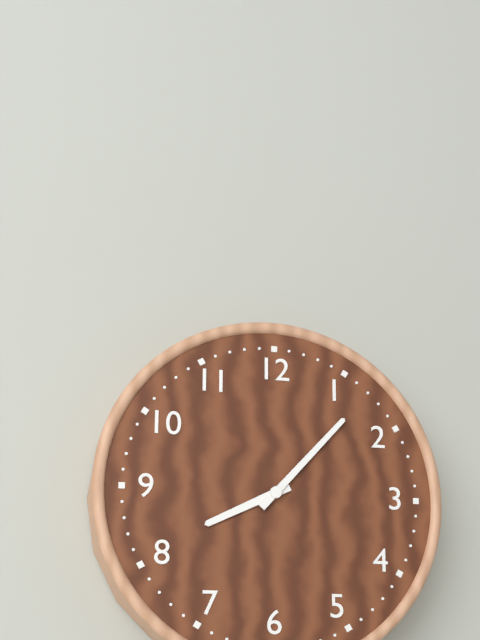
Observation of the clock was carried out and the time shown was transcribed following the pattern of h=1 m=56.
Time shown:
h=8 m=7
